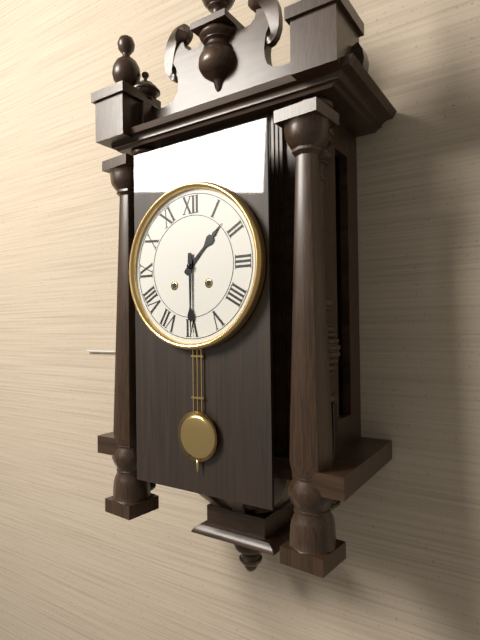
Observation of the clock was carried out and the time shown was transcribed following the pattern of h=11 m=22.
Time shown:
h=1 m=30
